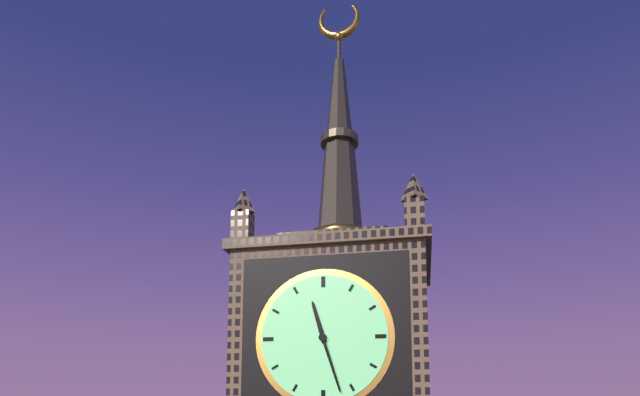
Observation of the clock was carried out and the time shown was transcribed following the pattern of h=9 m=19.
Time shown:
h=11 m=27
